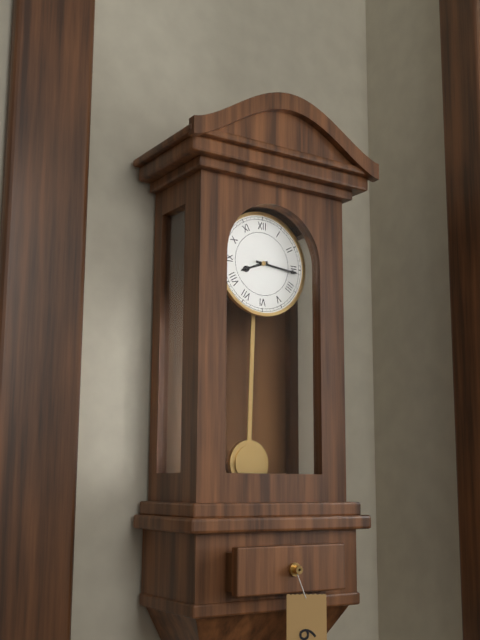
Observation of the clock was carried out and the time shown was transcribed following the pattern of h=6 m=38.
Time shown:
h=8 m=16
